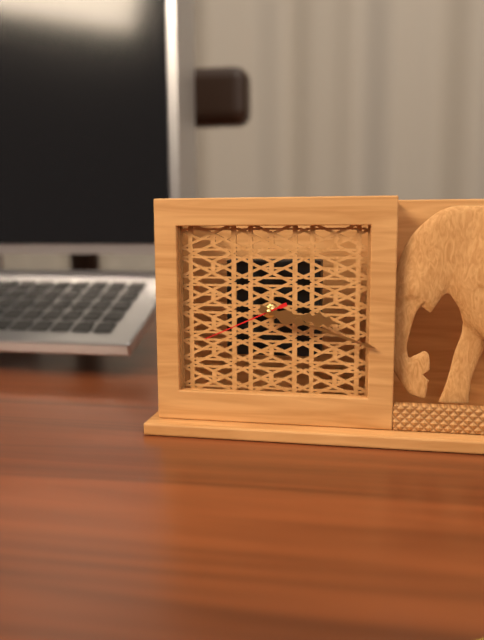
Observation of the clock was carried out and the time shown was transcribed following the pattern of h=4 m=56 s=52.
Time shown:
h=3 m=18 s=41
